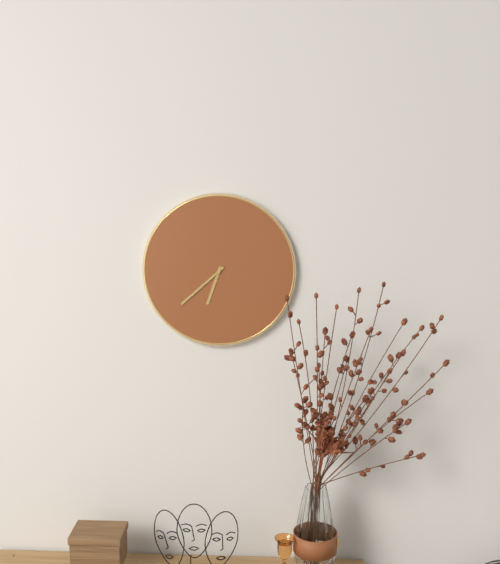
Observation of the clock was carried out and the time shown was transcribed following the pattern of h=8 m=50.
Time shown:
h=6 m=38
